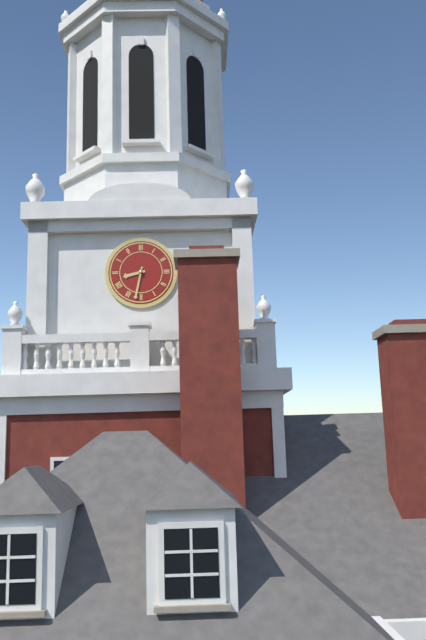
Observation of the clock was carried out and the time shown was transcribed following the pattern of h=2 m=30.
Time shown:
h=8 m=32
